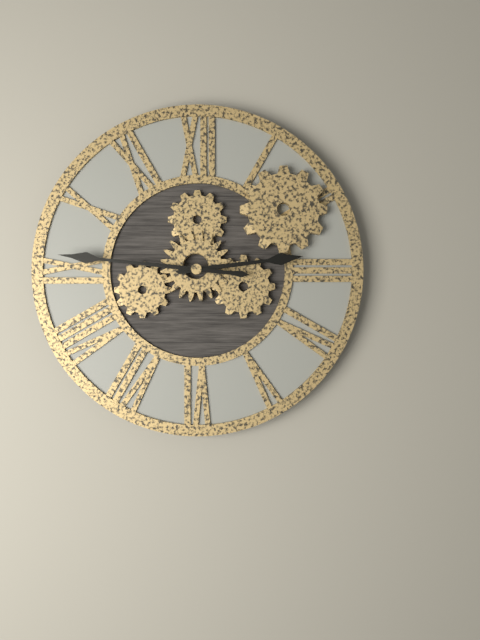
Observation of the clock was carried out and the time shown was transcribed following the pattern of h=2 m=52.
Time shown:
h=2 m=46
